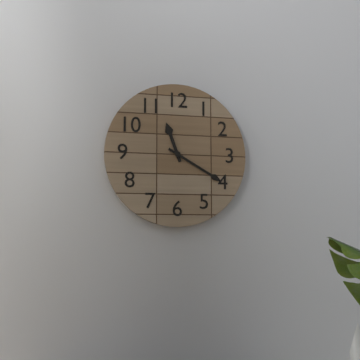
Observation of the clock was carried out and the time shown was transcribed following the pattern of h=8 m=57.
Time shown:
h=11 m=20
